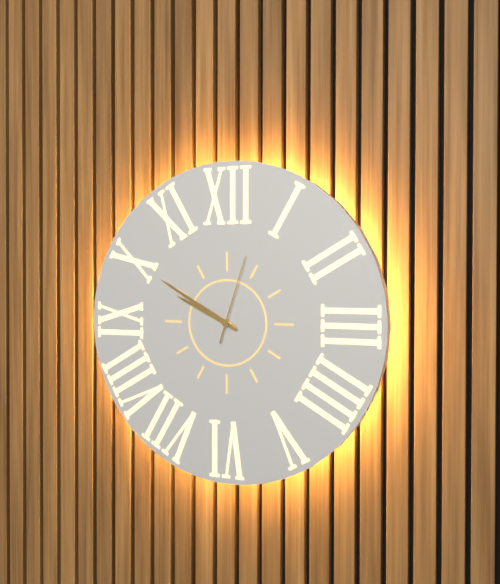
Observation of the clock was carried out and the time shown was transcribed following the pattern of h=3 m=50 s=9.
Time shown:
h=9 m=50 s=3
